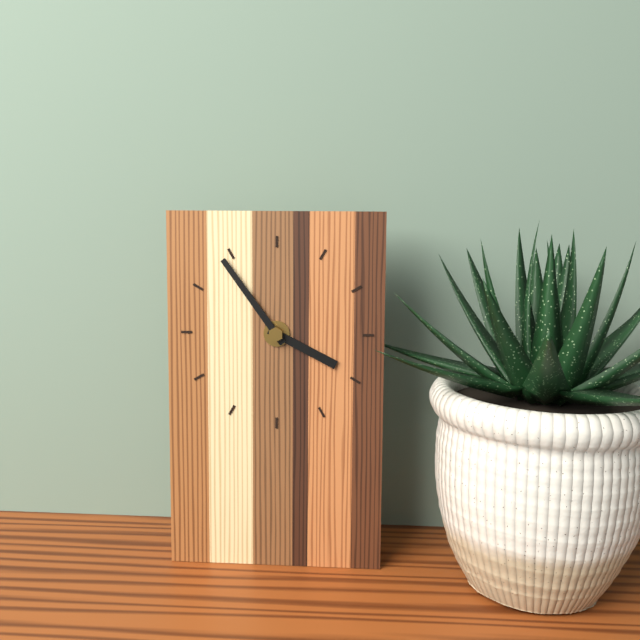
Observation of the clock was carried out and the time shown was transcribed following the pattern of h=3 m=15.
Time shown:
h=3 m=54
